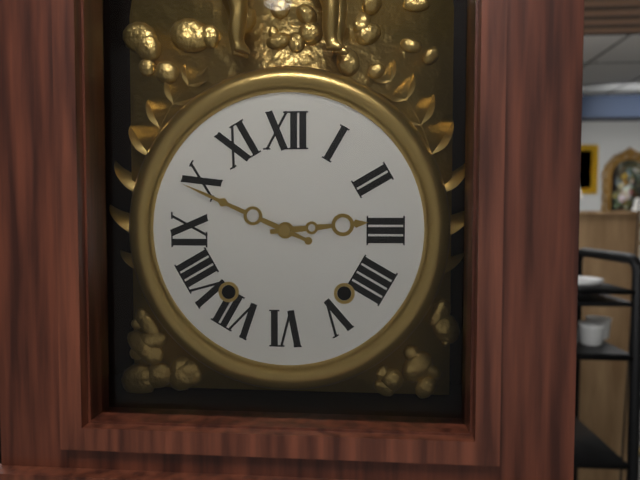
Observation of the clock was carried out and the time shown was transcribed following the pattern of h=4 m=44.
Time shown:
h=2 m=49
